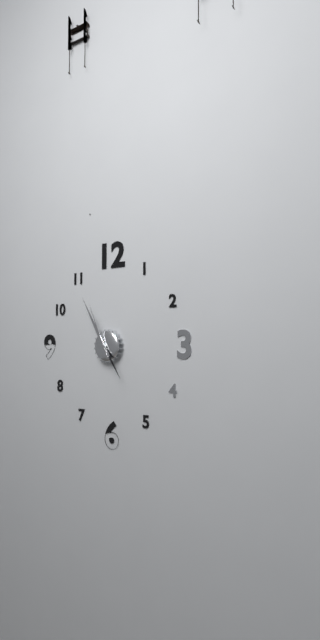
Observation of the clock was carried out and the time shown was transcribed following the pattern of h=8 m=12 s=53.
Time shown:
h=4 m=55 s=56
